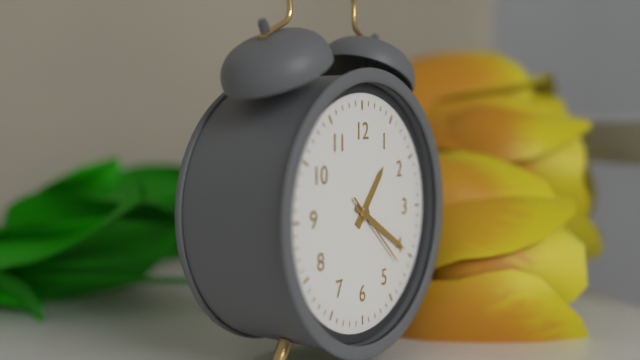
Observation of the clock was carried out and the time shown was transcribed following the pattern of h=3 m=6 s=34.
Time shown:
h=1 m=20 s=22
